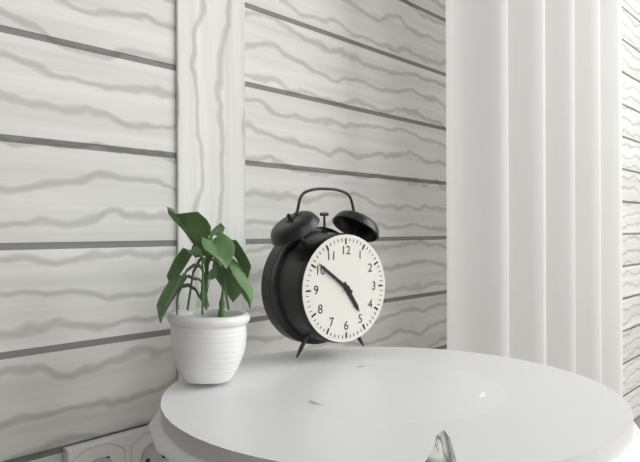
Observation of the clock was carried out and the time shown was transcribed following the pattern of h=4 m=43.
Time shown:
h=4 m=51
